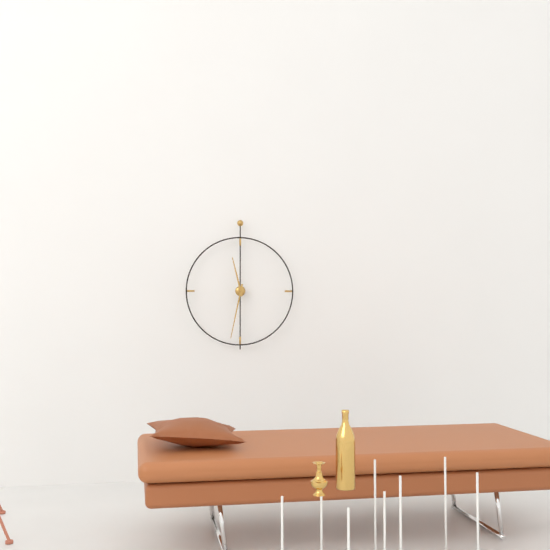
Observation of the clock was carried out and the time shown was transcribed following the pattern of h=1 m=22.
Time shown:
h=11 m=32
